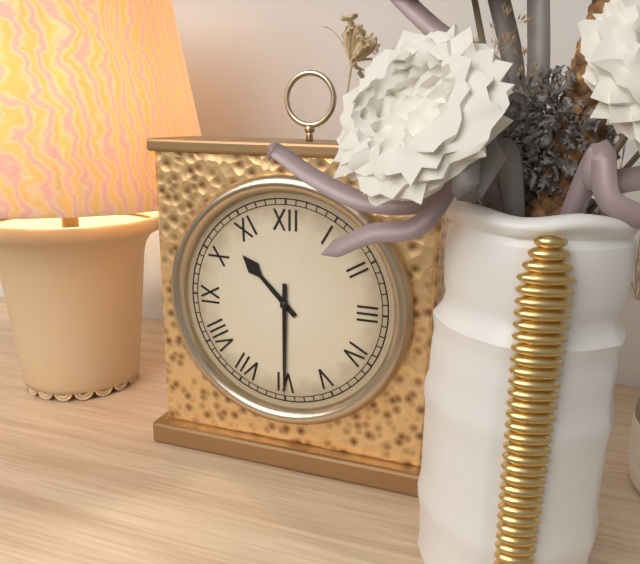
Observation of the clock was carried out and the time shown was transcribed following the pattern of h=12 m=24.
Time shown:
h=10 m=30
